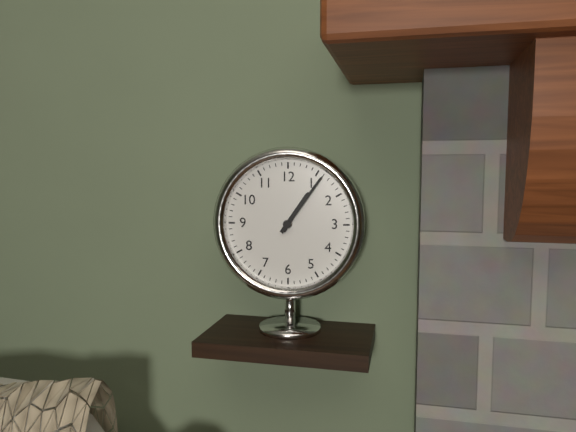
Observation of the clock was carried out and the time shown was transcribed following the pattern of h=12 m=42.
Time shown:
h=1 m=6
